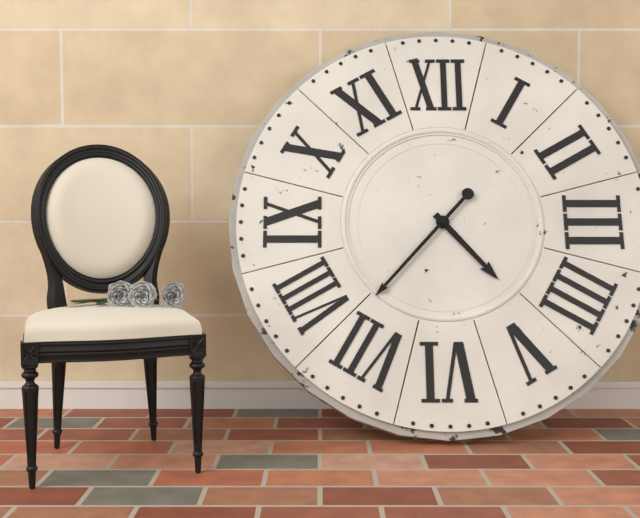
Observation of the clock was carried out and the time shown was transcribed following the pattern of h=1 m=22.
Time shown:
h=4 m=37
